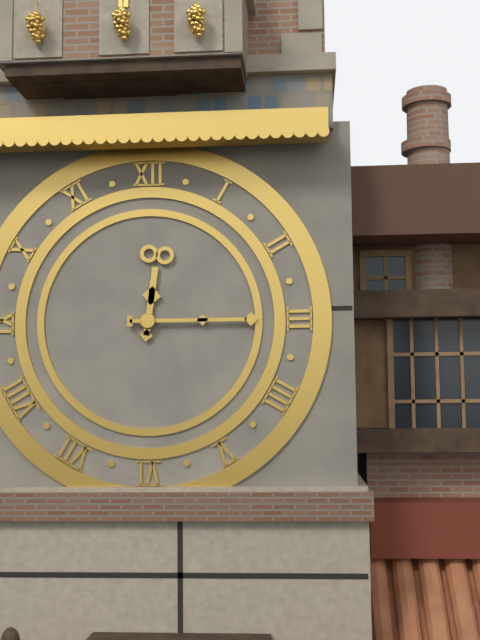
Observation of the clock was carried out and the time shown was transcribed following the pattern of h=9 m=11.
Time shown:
h=12 m=15
